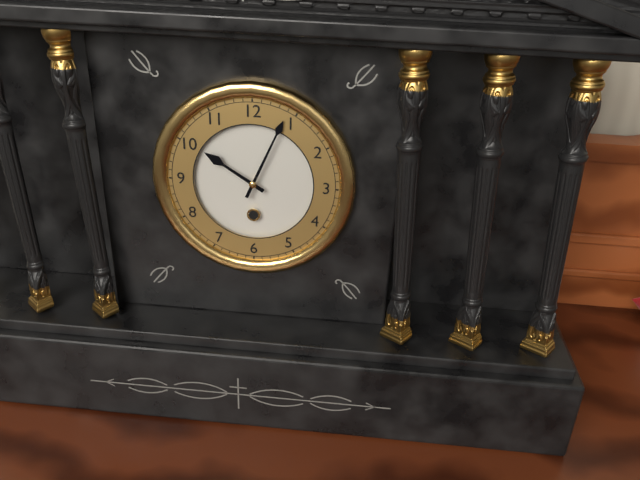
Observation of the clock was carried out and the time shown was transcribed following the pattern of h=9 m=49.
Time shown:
h=10 m=4
